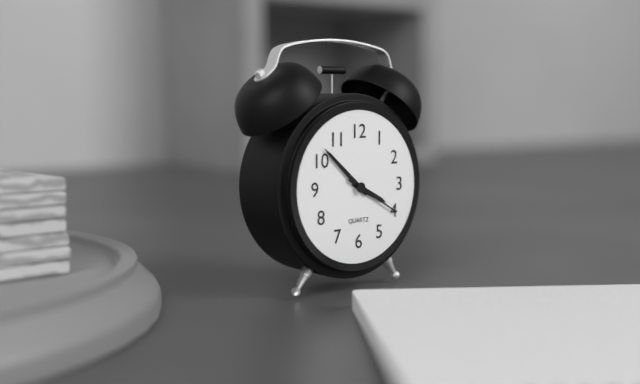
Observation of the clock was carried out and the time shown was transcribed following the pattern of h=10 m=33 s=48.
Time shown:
h=3 m=52 s=20
